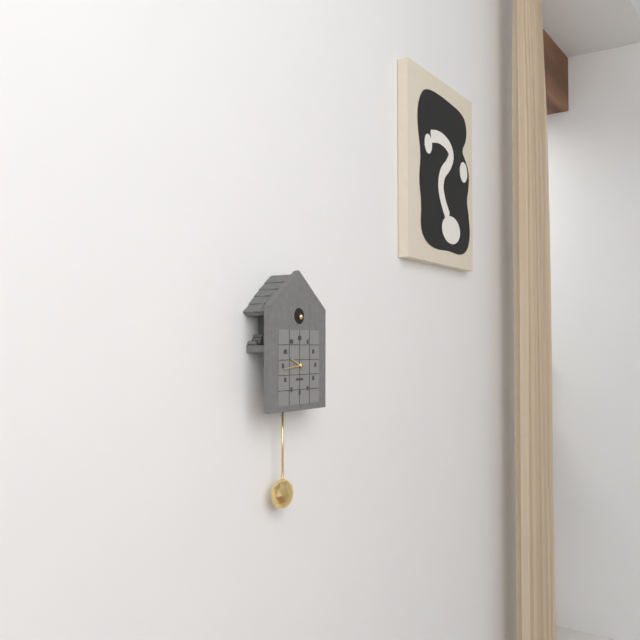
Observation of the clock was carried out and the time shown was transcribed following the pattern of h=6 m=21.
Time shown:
h=9 m=44
